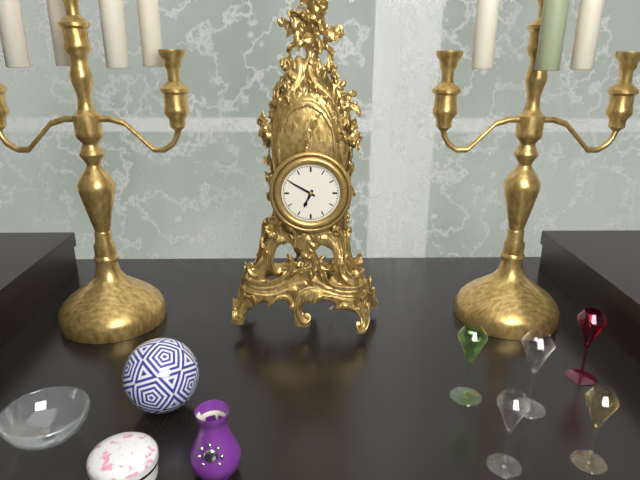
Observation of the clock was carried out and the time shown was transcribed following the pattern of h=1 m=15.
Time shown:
h=6 m=50
